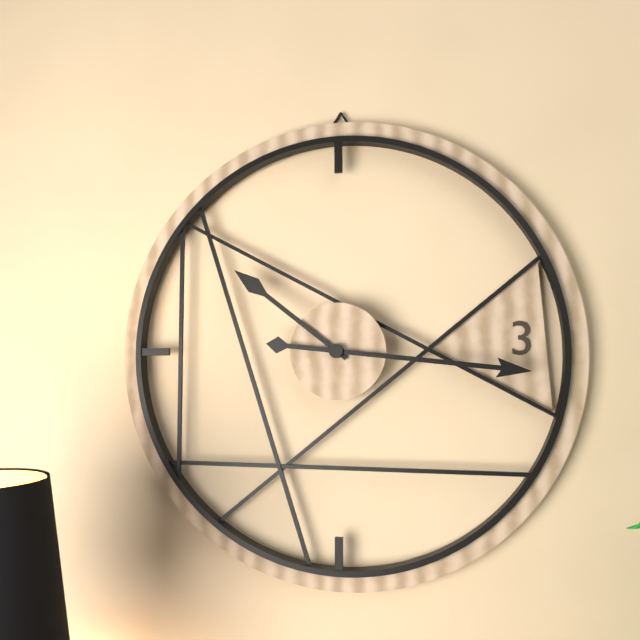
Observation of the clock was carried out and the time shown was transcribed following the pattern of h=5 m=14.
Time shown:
h=10 m=16
